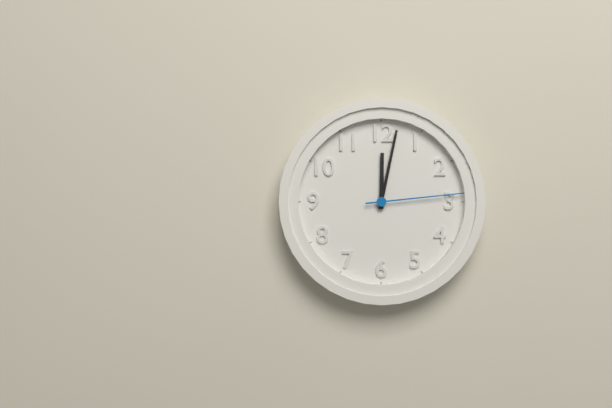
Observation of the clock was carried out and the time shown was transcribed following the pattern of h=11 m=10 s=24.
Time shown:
h=12 m=2 s=14
